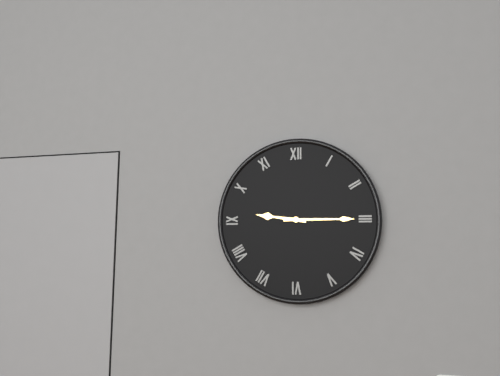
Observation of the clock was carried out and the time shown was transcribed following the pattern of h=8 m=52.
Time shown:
h=9 m=15
